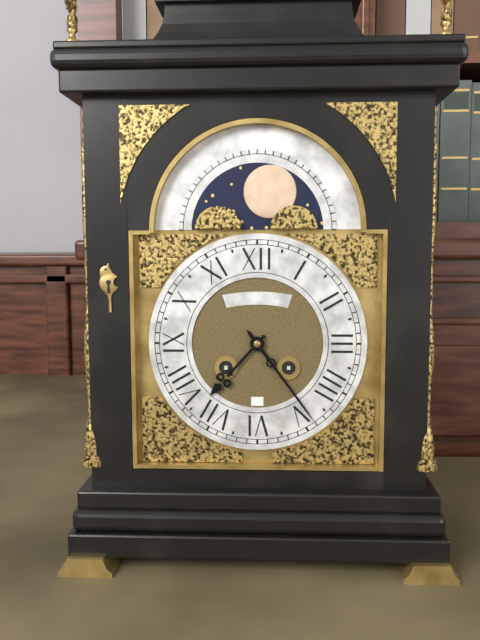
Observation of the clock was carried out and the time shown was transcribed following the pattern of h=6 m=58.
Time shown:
h=7 m=24
